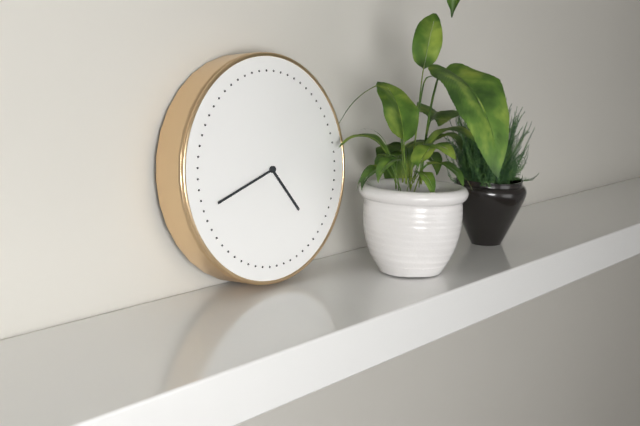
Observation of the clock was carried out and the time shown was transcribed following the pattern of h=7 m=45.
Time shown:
h=4 m=42
